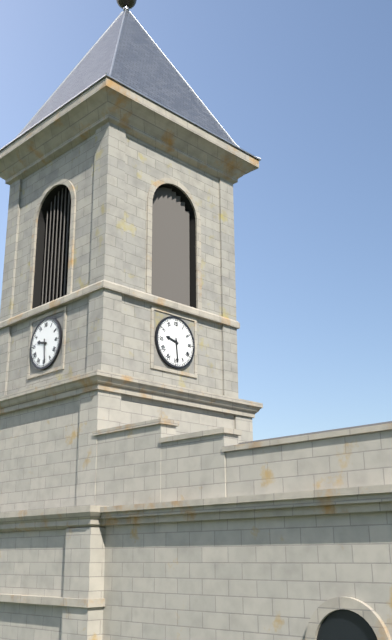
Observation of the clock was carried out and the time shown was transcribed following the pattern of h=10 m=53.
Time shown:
h=9 m=29
